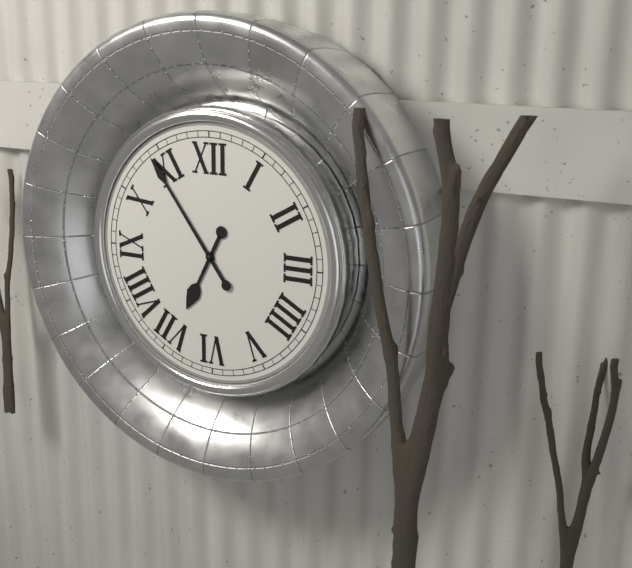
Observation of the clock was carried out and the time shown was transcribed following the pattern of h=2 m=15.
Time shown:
h=6 m=54
